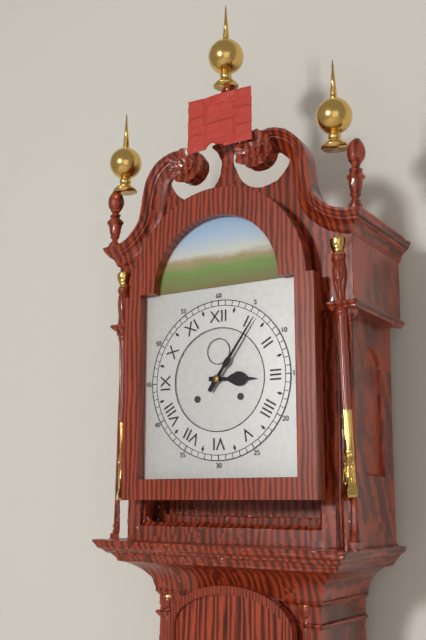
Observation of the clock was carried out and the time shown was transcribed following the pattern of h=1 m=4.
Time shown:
h=3 m=6
